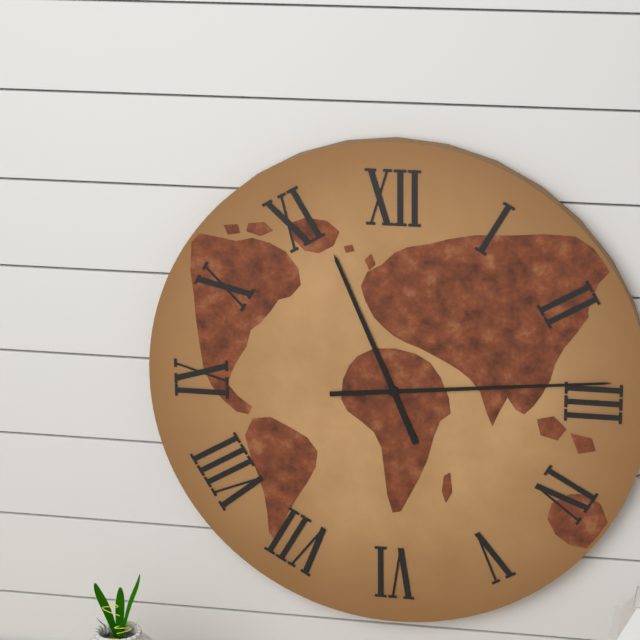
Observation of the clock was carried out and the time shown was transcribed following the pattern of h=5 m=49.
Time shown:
h=11 m=14
